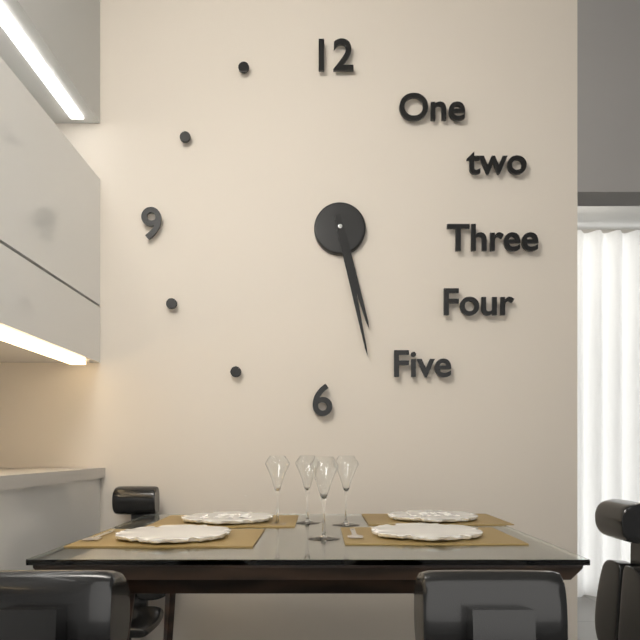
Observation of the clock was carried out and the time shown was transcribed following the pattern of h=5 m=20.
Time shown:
h=5 m=28
